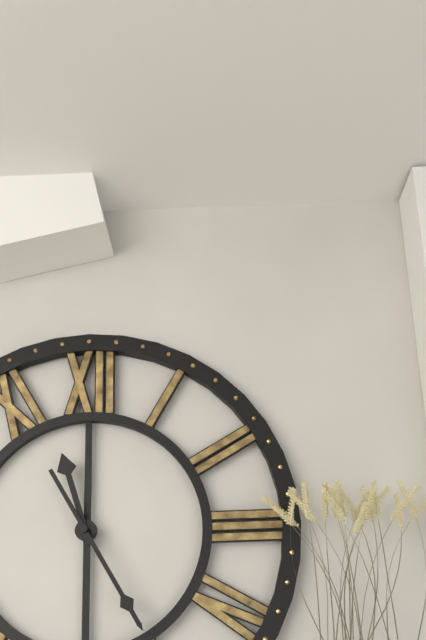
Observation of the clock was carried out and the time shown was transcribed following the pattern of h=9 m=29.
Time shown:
h=11 m=25
